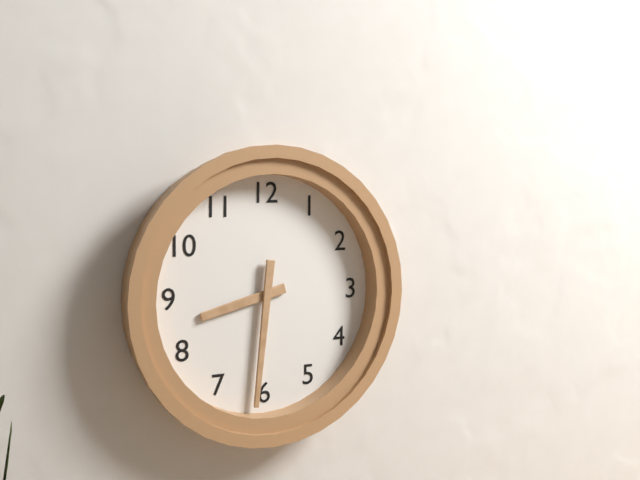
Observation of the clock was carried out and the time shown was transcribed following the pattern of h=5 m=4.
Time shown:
h=8 m=31
